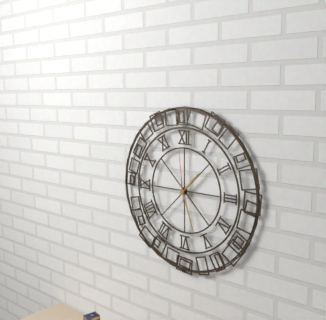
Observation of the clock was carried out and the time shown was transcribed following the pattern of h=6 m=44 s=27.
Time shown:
h=1 m=27 s=59
